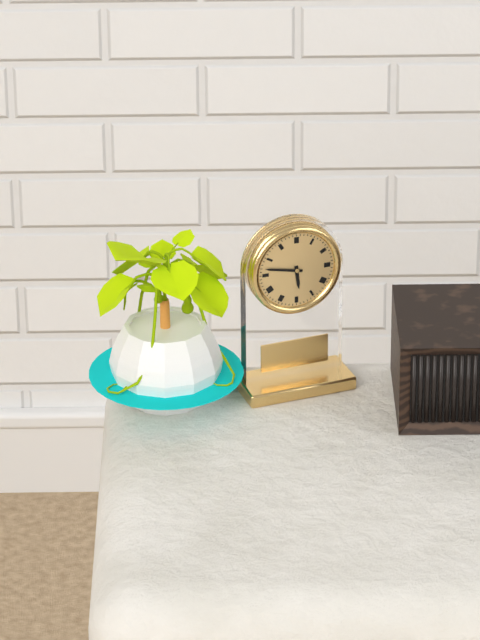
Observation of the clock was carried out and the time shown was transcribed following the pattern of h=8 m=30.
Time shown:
h=5 m=47
